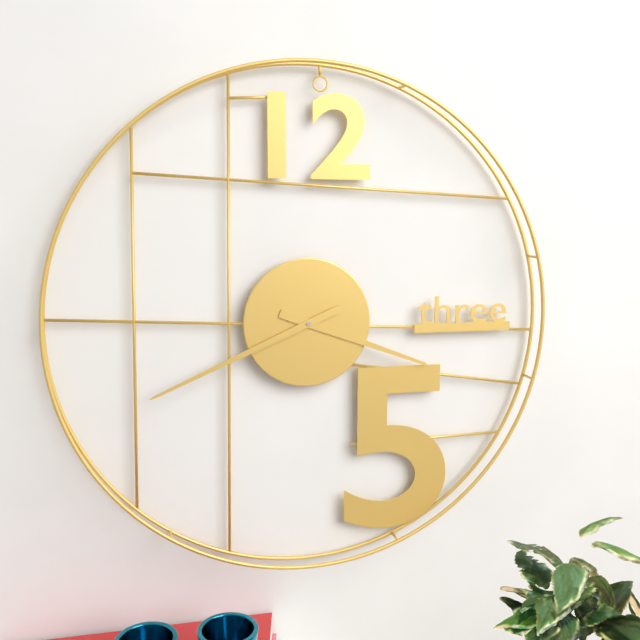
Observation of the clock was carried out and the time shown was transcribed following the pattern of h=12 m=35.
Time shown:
h=3 m=41
